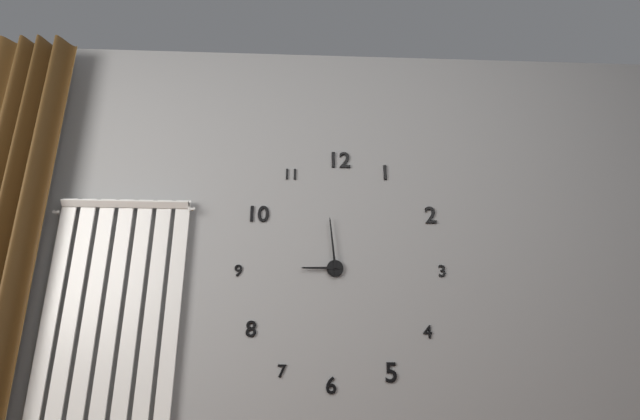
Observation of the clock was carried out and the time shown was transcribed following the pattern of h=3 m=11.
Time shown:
h=8 m=59
